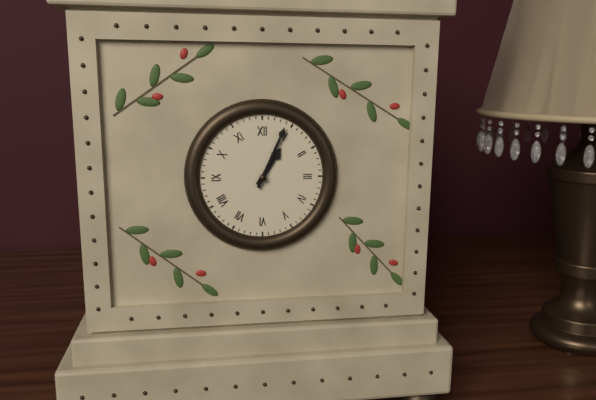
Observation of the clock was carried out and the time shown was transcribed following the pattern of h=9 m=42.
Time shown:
h=1 m=4
